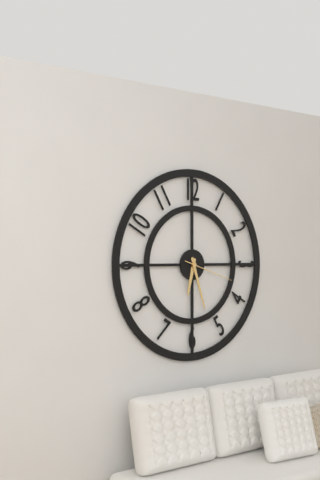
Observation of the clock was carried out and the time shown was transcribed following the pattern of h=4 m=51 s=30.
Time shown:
h=6 m=27 s=18
